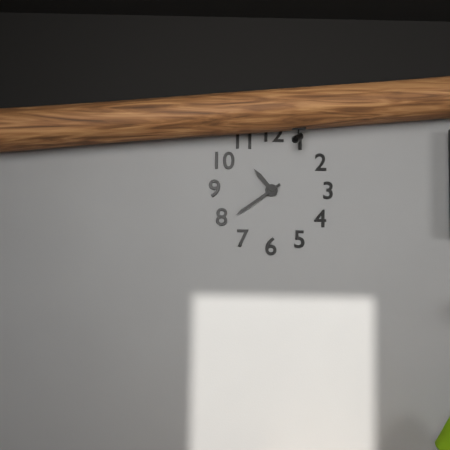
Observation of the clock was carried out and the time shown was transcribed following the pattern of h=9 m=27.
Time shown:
h=10 m=39
